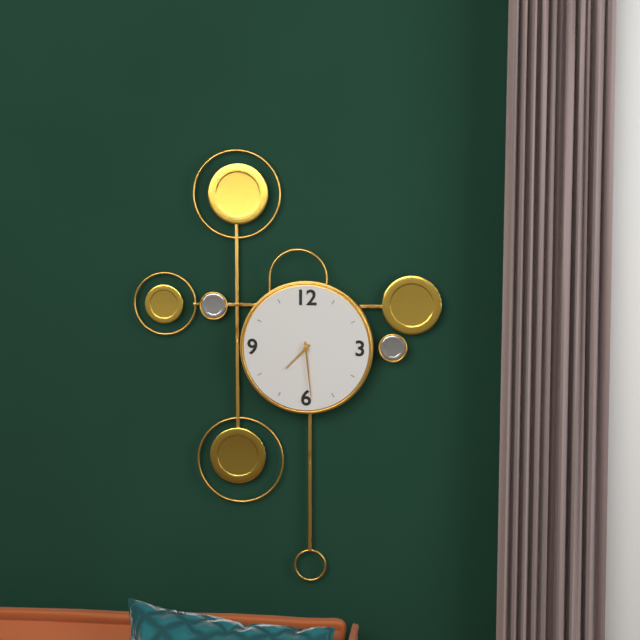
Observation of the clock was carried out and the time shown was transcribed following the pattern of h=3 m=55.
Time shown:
h=7 m=29
